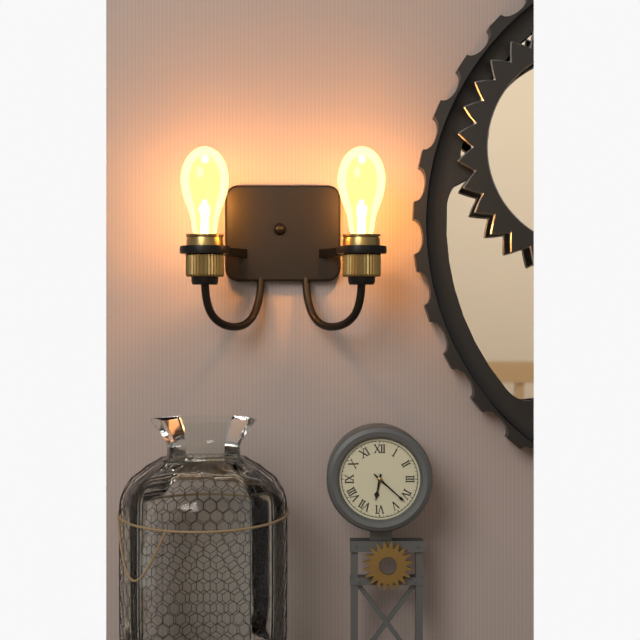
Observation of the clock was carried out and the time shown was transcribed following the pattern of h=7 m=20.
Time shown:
h=6 m=22
